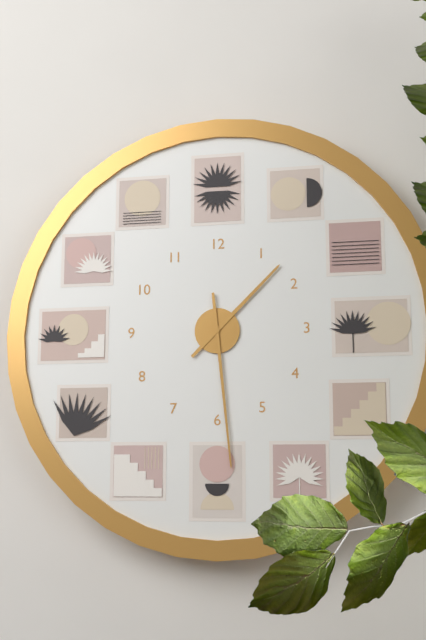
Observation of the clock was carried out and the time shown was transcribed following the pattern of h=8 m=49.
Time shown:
h=1 m=29
